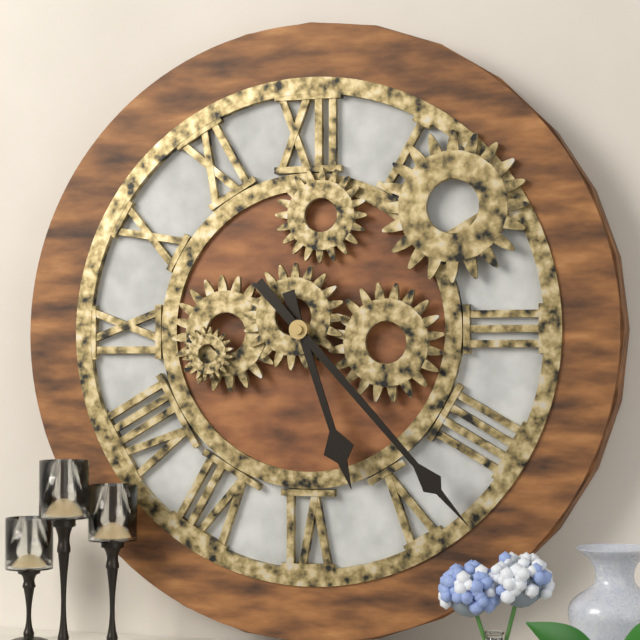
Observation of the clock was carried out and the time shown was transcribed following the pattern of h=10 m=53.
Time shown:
h=5 m=23
